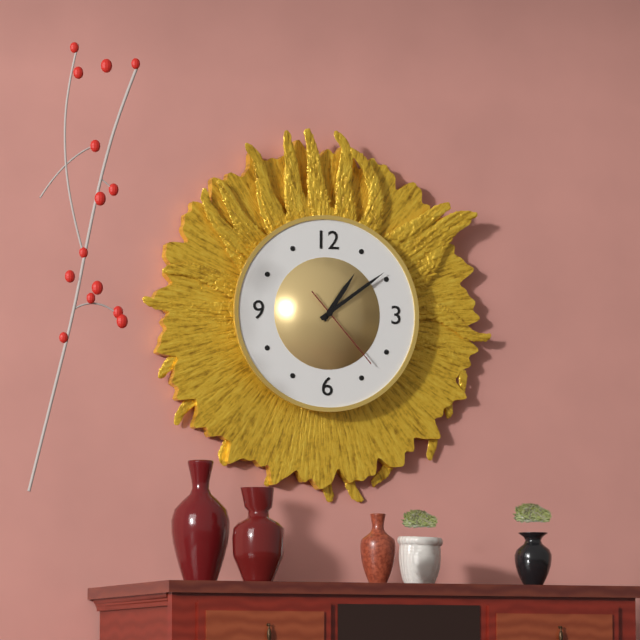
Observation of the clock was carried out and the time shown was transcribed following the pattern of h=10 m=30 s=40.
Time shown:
h=1 m=9 s=23
